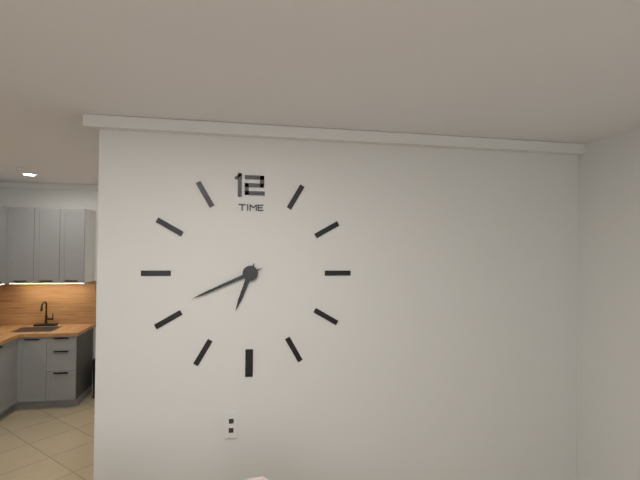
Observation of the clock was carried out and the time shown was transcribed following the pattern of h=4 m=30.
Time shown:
h=6 m=41
